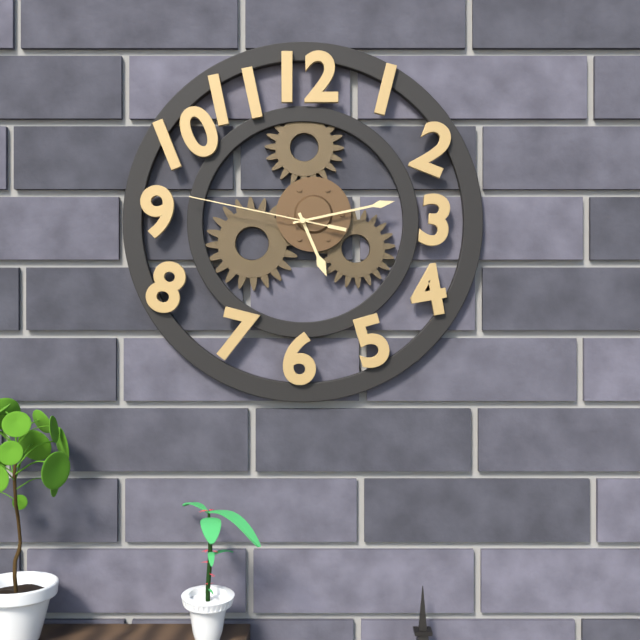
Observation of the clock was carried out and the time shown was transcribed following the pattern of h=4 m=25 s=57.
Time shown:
h=5 m=13 s=47
